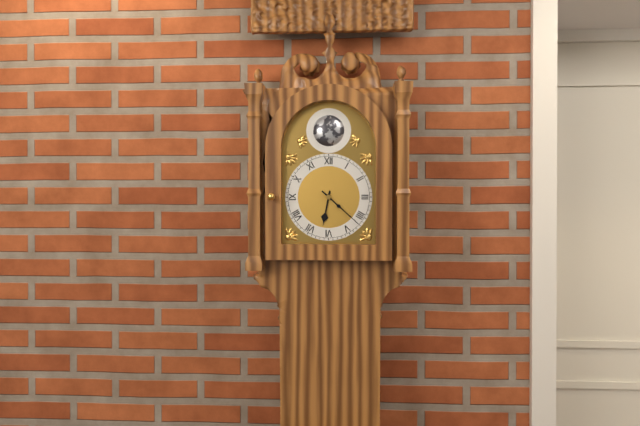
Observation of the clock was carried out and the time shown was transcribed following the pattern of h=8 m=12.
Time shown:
h=6 m=22
